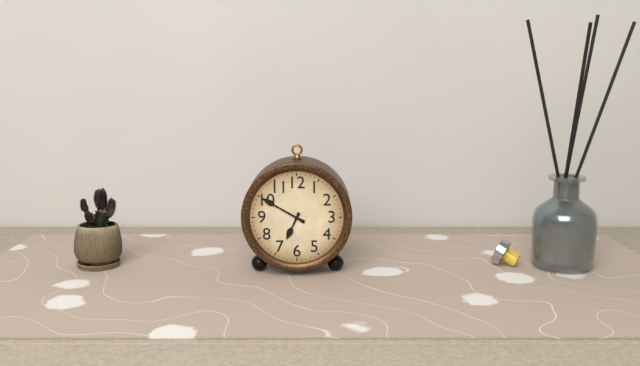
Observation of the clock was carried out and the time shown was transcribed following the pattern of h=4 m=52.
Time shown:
h=6 m=50
